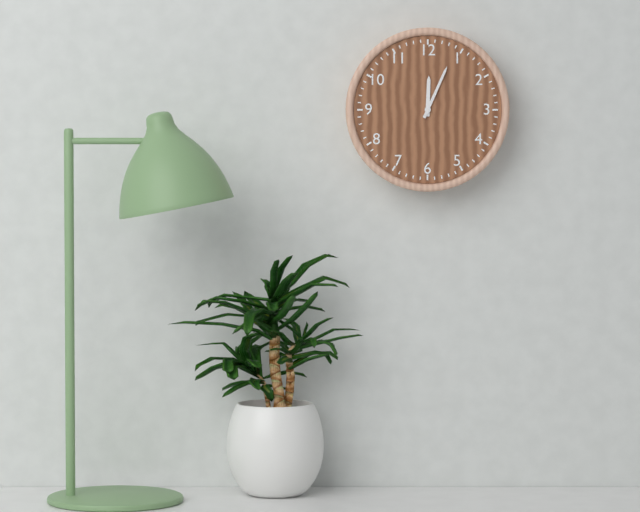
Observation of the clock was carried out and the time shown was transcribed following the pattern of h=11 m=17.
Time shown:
h=12 m=4
